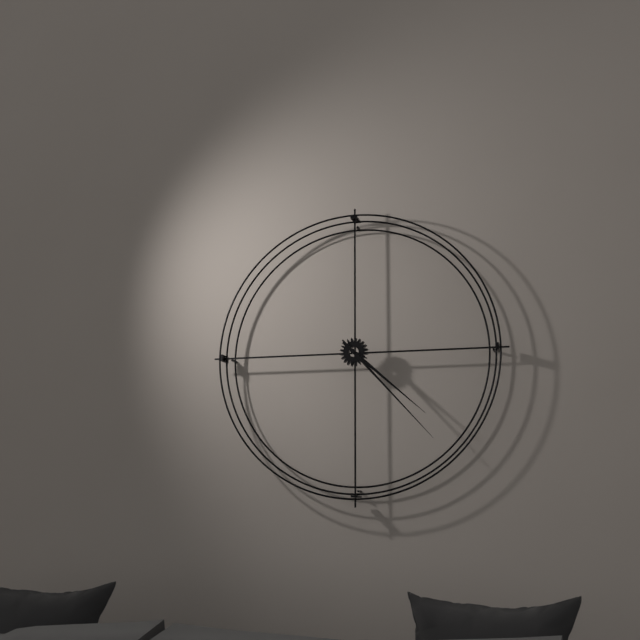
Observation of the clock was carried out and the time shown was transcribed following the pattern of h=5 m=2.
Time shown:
h=4 m=23
